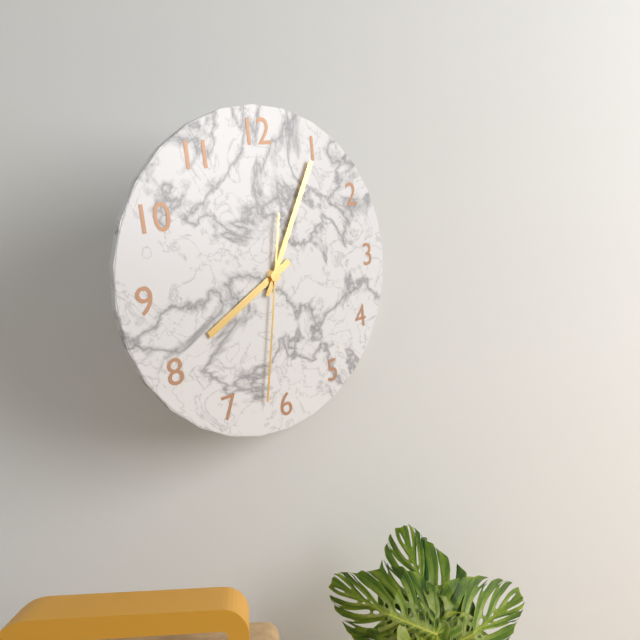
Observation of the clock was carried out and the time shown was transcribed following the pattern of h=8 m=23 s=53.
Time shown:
h=8 m=5 s=32
